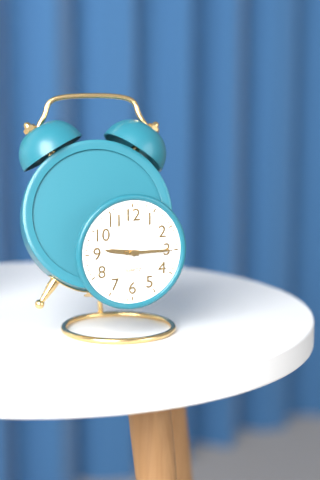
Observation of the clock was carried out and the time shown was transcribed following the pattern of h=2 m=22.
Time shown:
h=9 m=15
